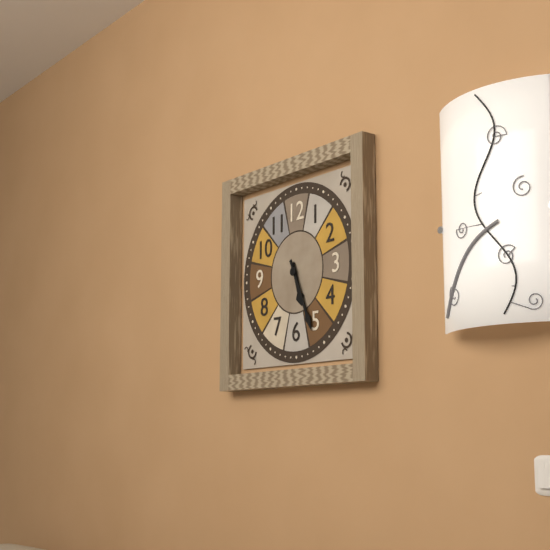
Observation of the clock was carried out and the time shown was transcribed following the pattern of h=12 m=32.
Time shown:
h=5 m=26
